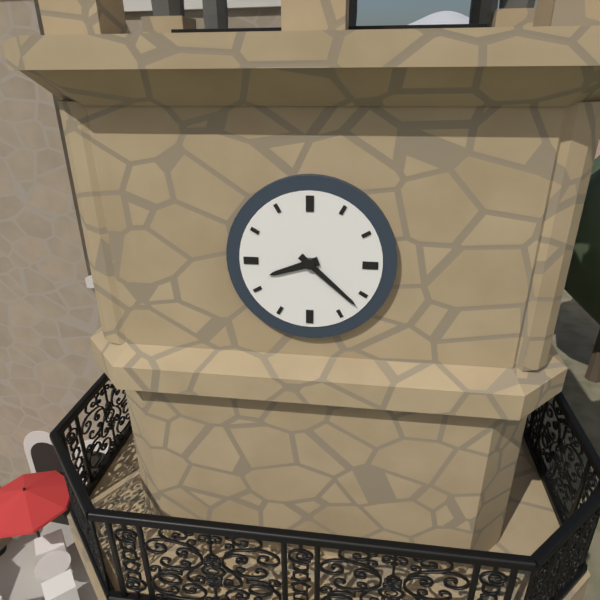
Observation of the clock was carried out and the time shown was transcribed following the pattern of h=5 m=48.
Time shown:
h=8 m=22
